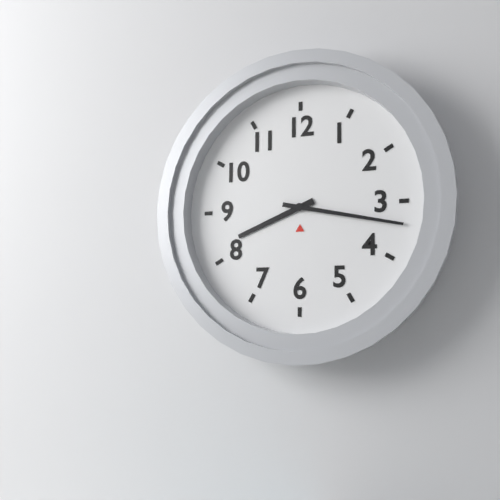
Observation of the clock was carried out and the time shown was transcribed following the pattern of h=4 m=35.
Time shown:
h=8 m=17
